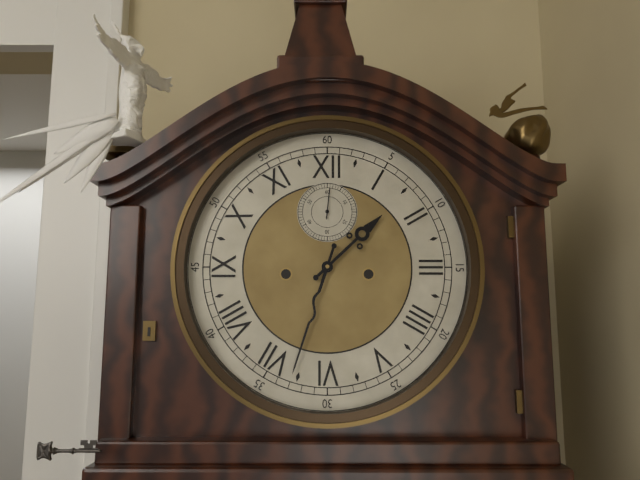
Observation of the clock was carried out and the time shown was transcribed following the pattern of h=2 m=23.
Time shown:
h=1 m=33
